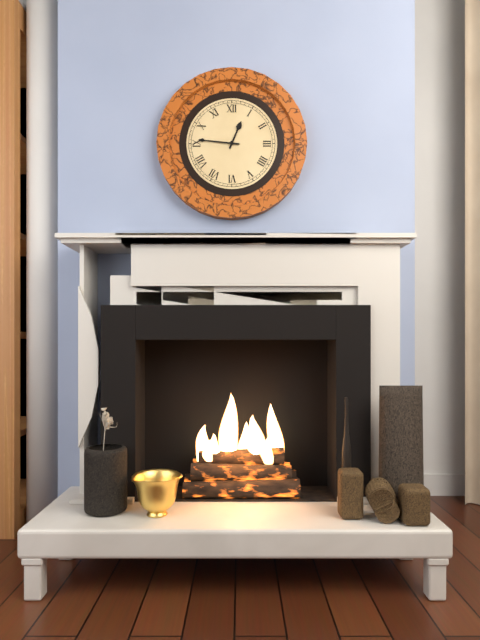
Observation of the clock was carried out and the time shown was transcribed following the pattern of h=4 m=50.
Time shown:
h=12 m=46
